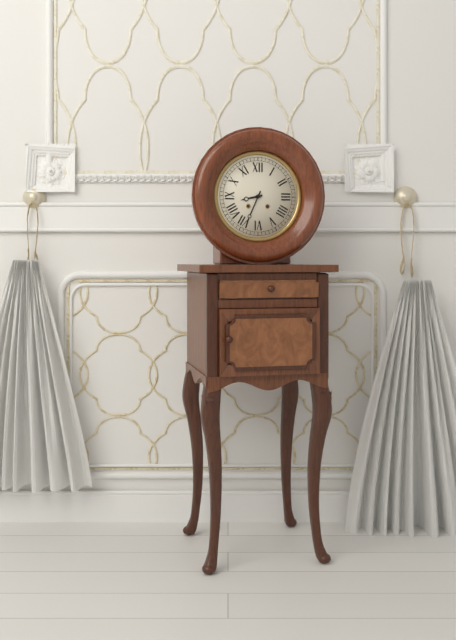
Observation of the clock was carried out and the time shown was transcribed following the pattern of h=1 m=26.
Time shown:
h=8 m=34
